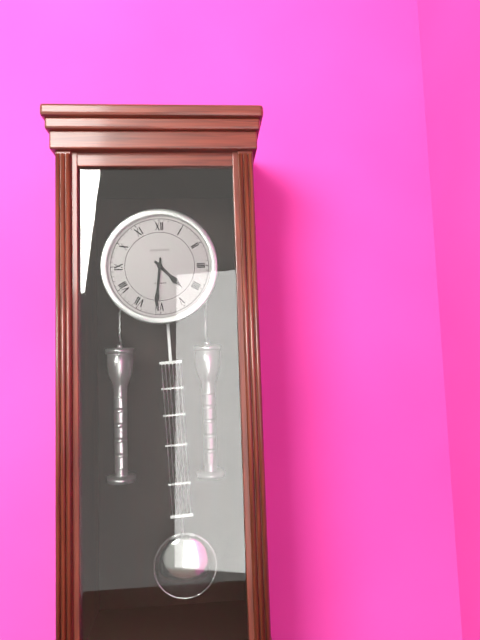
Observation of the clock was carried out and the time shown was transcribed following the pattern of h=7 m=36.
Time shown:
h=4 m=31
